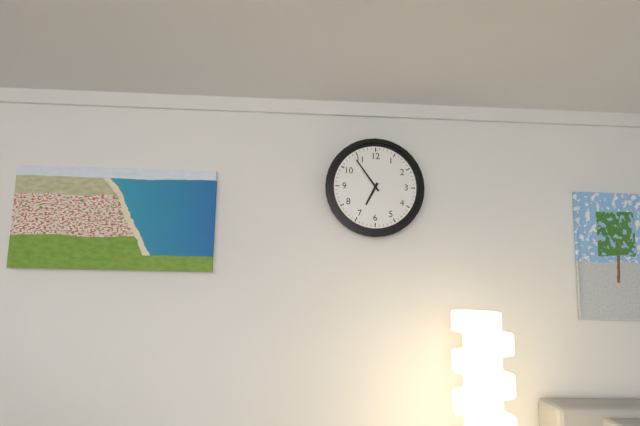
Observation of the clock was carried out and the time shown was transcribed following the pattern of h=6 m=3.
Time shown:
h=6 m=54
